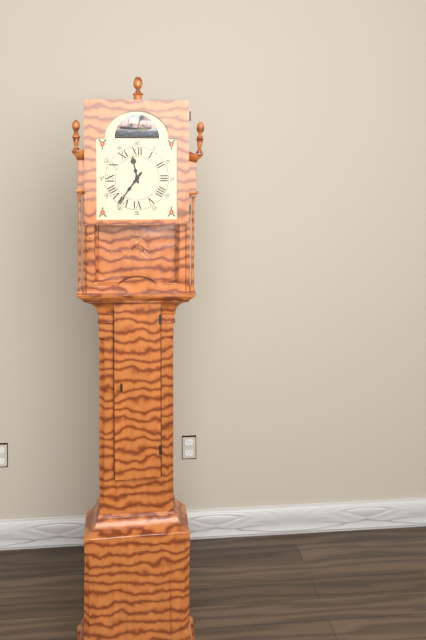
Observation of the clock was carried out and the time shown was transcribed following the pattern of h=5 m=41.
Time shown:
h=11 m=36
